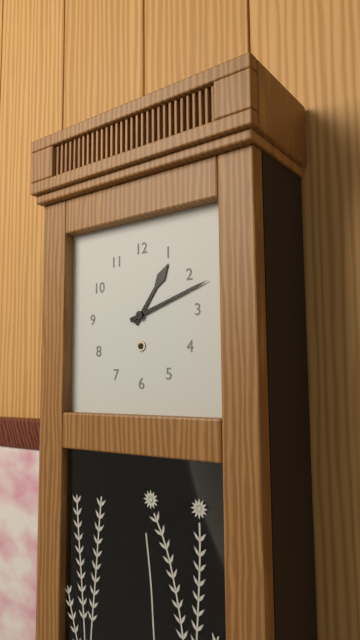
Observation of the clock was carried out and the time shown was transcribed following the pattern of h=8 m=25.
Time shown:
h=1 m=12
